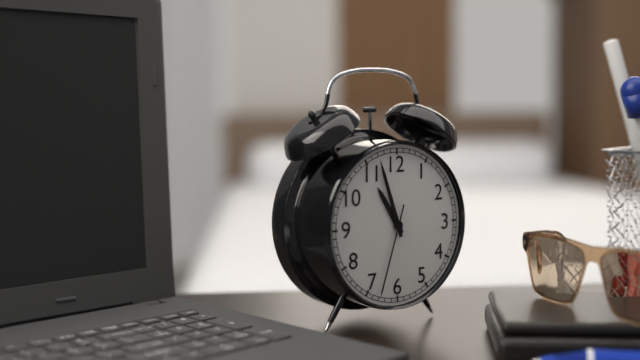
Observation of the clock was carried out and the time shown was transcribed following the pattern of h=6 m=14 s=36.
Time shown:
h=10 m=57 s=33
